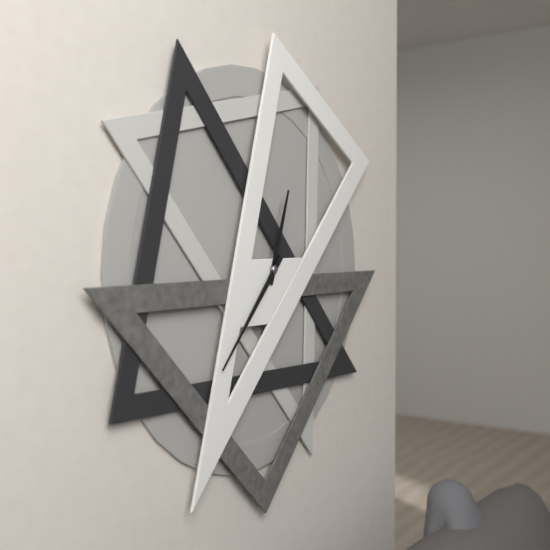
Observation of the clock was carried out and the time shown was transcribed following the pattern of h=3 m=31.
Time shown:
h=12 m=37
